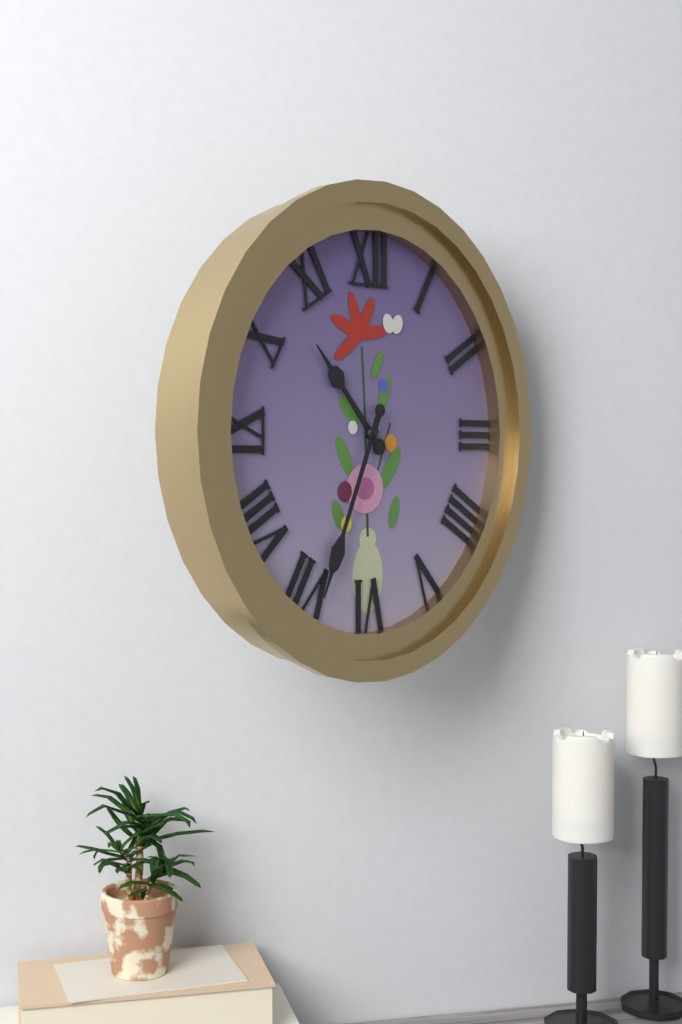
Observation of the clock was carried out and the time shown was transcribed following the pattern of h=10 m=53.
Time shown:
h=10 m=34
